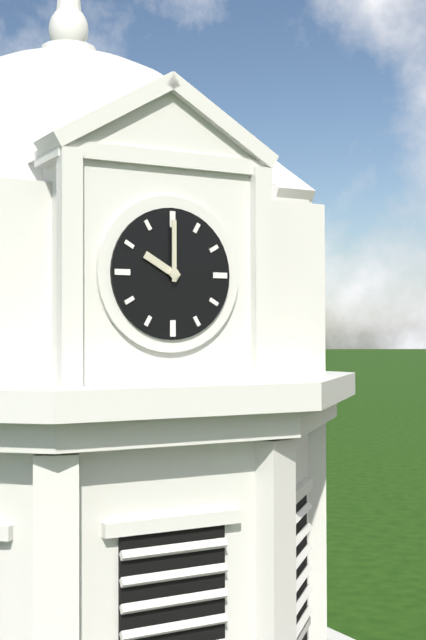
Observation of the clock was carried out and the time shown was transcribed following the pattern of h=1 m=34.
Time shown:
h=10 m=0
